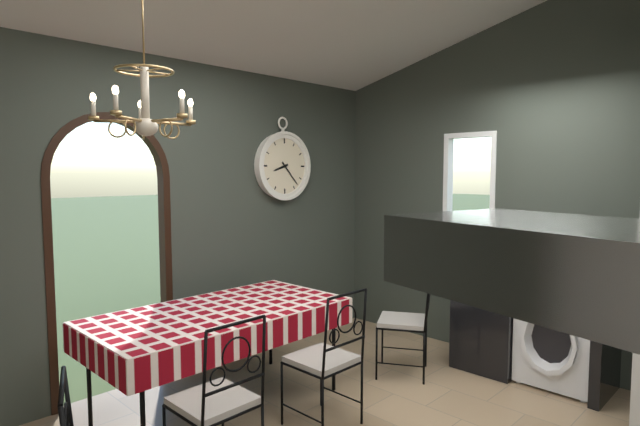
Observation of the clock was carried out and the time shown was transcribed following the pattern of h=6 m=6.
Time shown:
h=8 m=23
